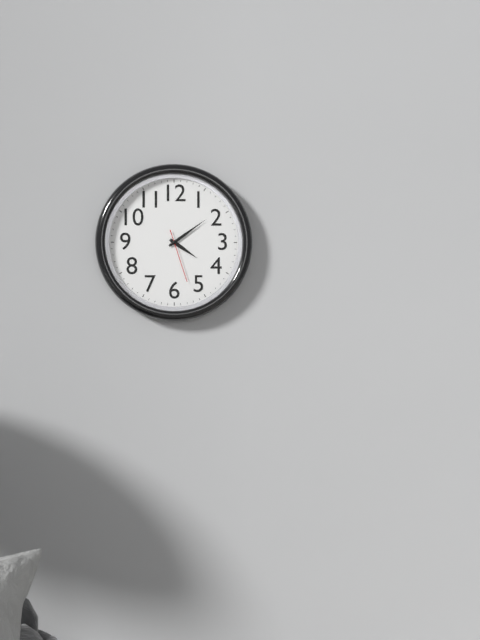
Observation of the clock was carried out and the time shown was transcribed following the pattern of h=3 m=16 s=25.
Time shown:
h=4 m=9 s=27
